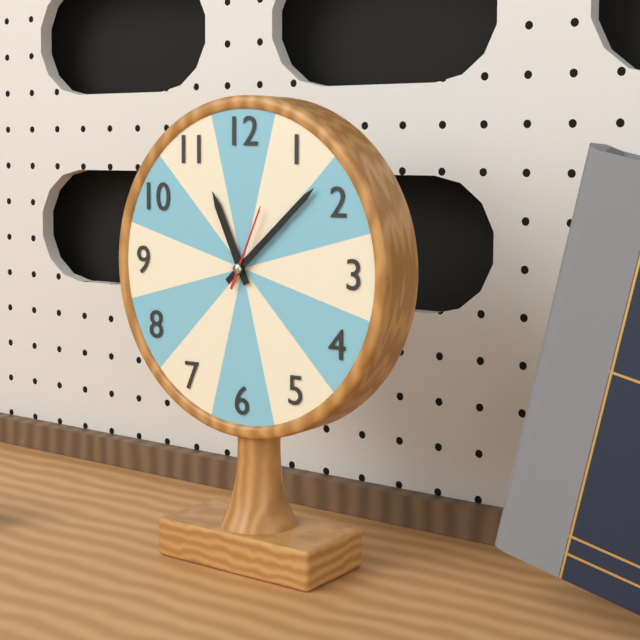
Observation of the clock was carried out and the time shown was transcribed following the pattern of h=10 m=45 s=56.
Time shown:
h=11 m=8 s=4
